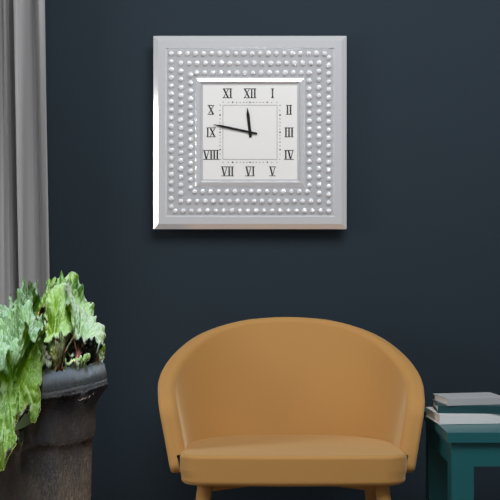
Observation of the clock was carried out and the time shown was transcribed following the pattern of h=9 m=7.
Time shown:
h=11 m=47
